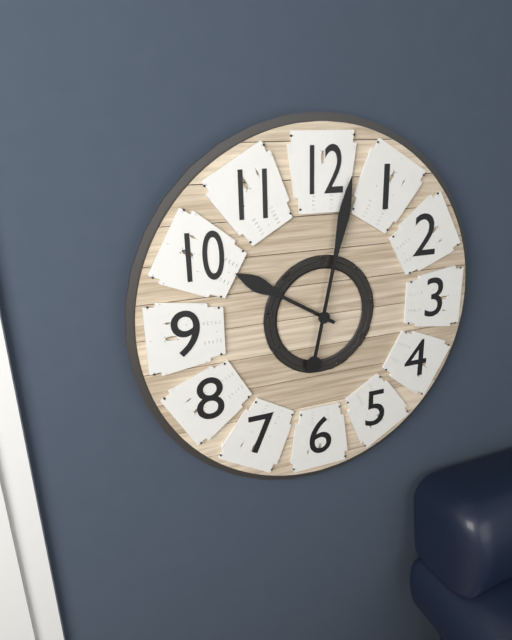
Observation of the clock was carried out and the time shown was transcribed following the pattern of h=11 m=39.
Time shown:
h=10 m=2
